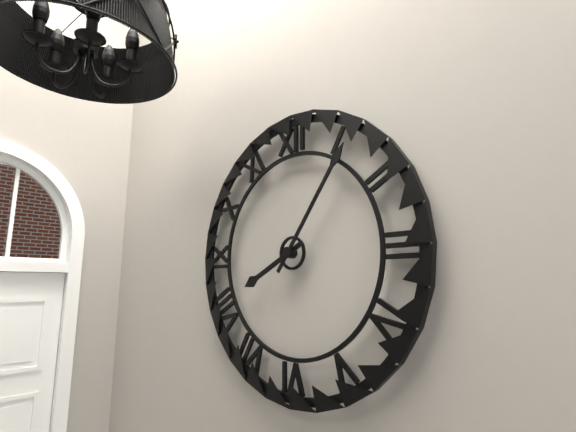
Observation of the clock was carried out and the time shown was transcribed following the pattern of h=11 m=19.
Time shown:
h=8 m=6
